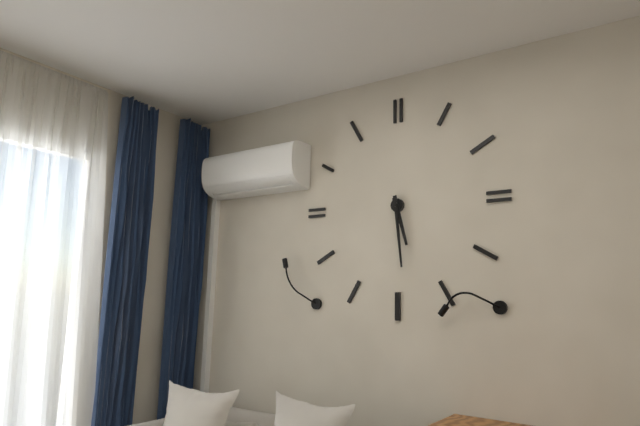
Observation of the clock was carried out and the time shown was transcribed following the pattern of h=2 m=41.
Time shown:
h=5 m=29
